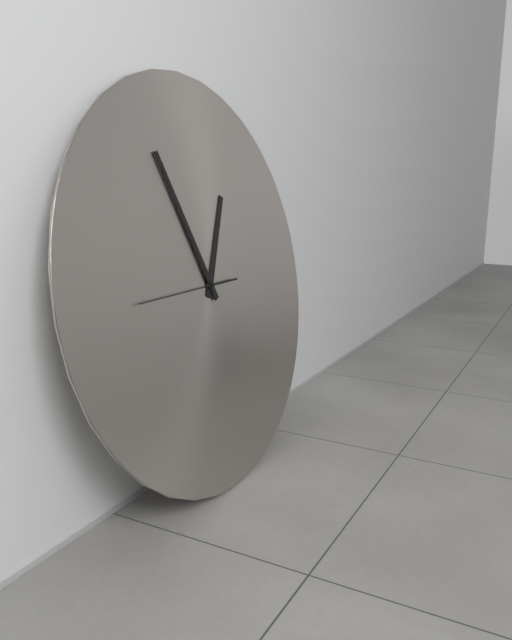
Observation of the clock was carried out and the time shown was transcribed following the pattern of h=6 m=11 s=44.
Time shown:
h=12 m=56 s=45
